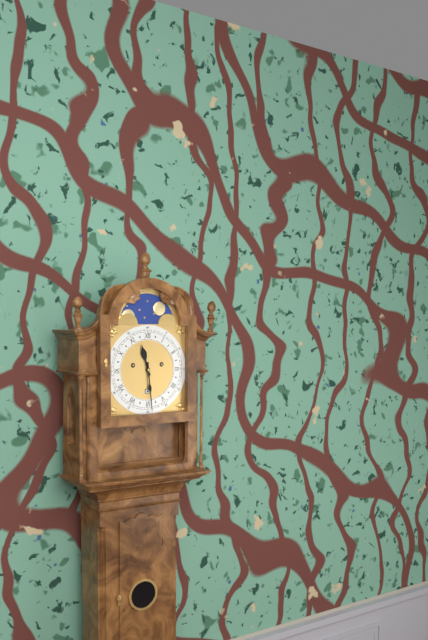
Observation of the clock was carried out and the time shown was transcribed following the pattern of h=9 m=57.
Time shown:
h=11 m=29
